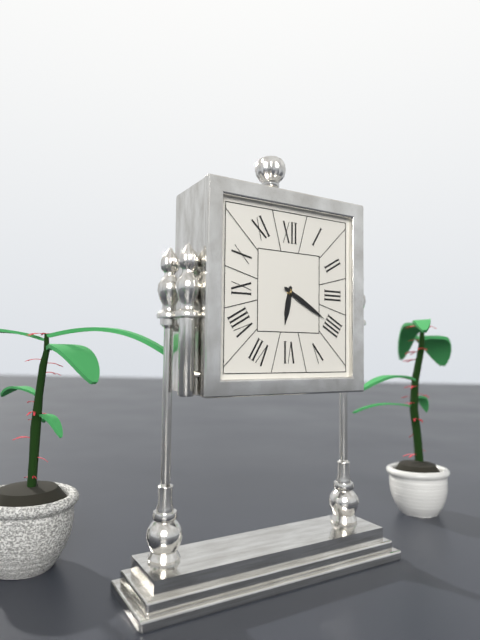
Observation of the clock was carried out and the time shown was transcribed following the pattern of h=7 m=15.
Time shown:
h=6 m=20
